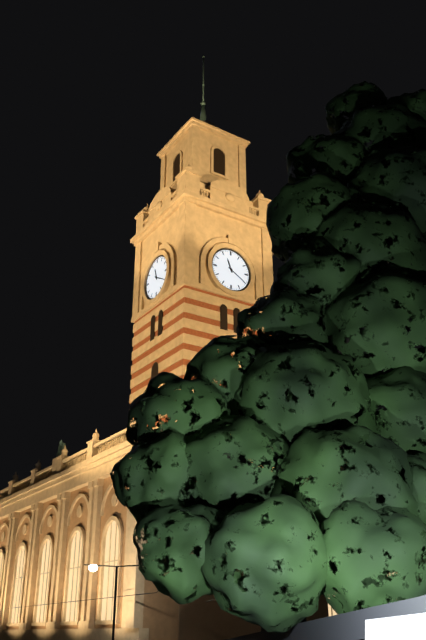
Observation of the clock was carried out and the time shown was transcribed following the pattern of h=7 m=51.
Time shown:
h=11 m=20
